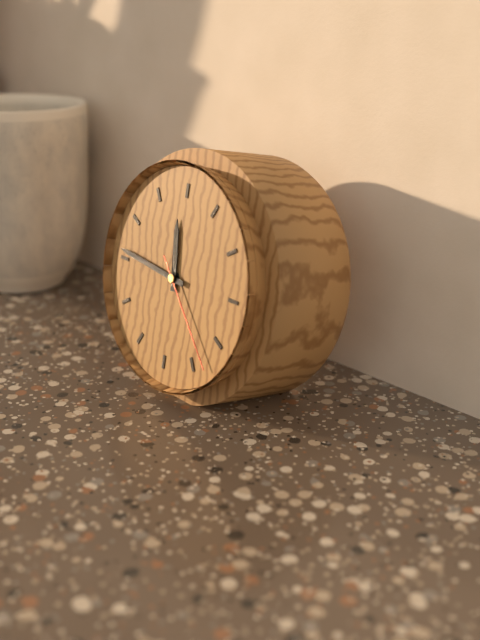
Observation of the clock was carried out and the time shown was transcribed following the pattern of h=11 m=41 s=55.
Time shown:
h=11 m=46 s=23
